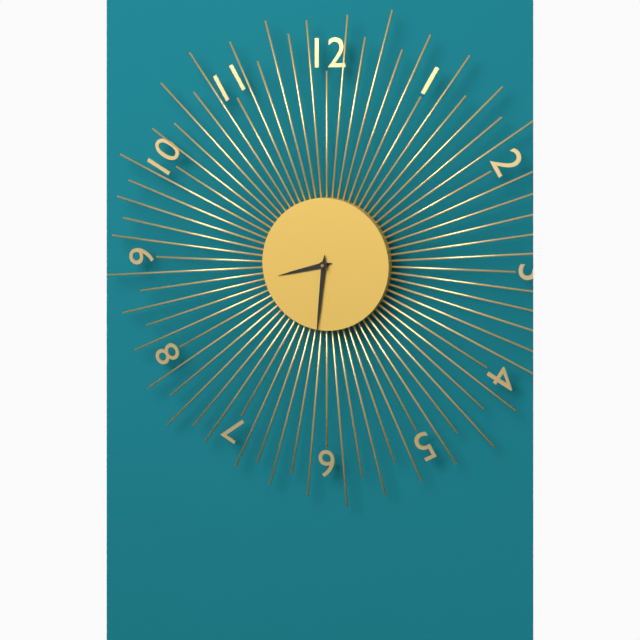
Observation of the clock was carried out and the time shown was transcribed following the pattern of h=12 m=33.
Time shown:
h=8 m=31
